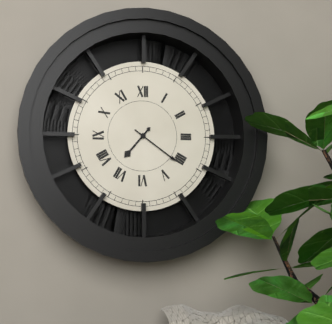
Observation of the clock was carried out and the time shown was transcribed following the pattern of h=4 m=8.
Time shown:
h=7 m=21
